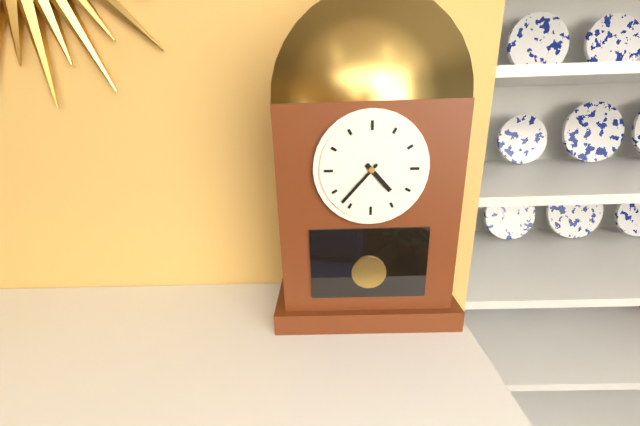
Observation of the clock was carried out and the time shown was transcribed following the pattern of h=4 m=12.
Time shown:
h=4 m=37
